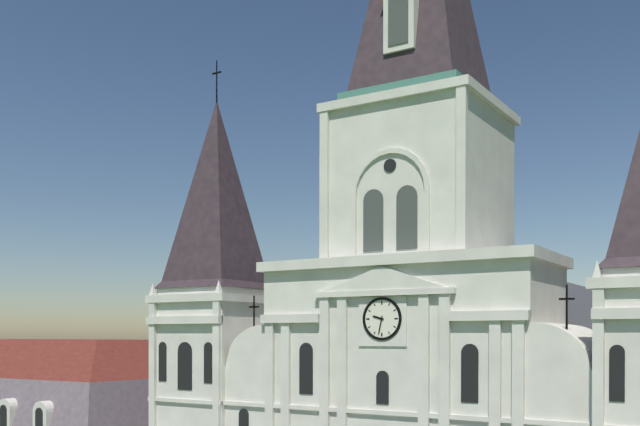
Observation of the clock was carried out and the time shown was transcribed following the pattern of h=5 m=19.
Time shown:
h=9 m=32
